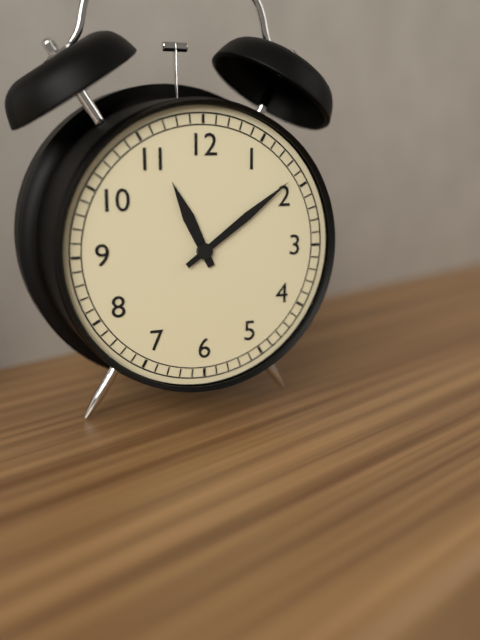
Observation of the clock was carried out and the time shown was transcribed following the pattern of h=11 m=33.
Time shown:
h=11 m=9
